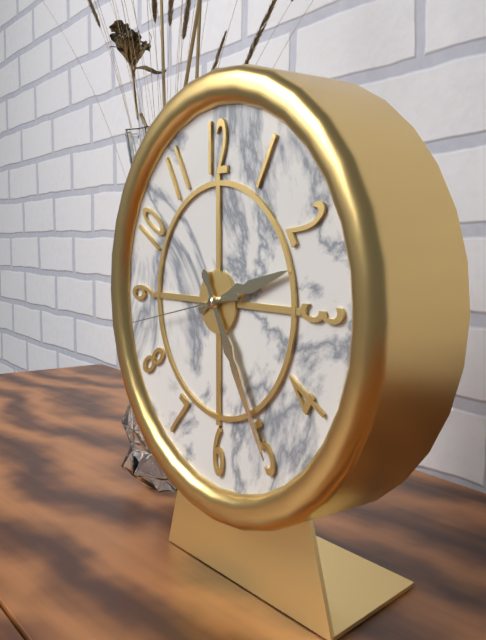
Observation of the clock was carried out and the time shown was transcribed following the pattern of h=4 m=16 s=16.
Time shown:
h=2 m=25 s=43
